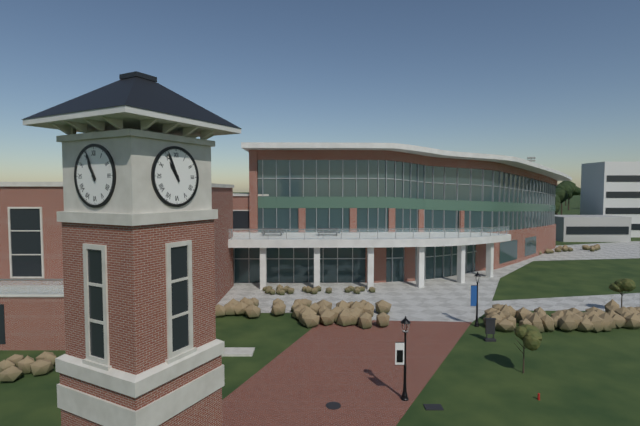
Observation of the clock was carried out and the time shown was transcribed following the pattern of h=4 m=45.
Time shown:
h=10 m=56
